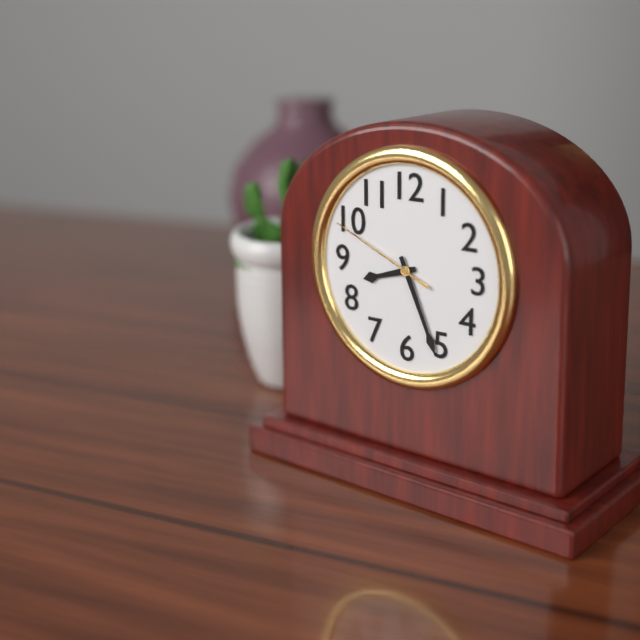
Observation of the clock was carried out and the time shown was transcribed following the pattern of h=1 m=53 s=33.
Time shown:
h=8 m=26 s=49
